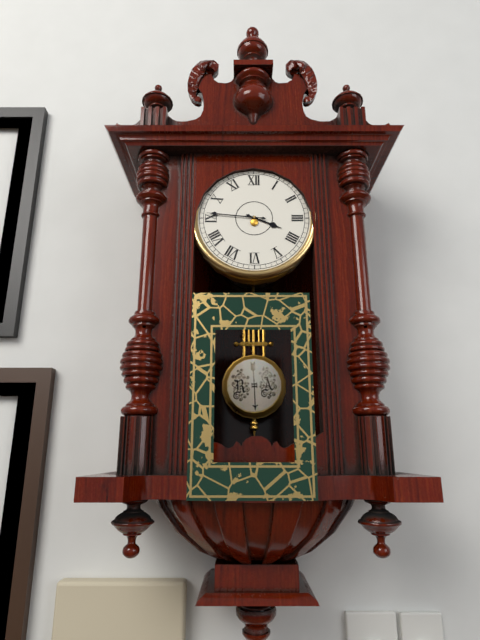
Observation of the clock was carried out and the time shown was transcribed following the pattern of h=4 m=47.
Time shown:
h=3 m=46
